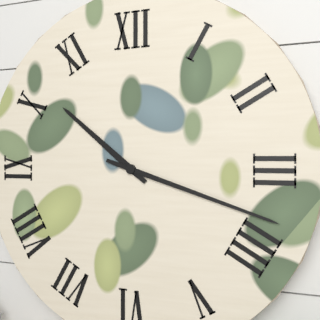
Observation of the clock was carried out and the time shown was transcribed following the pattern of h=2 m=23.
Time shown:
h=10 m=18
